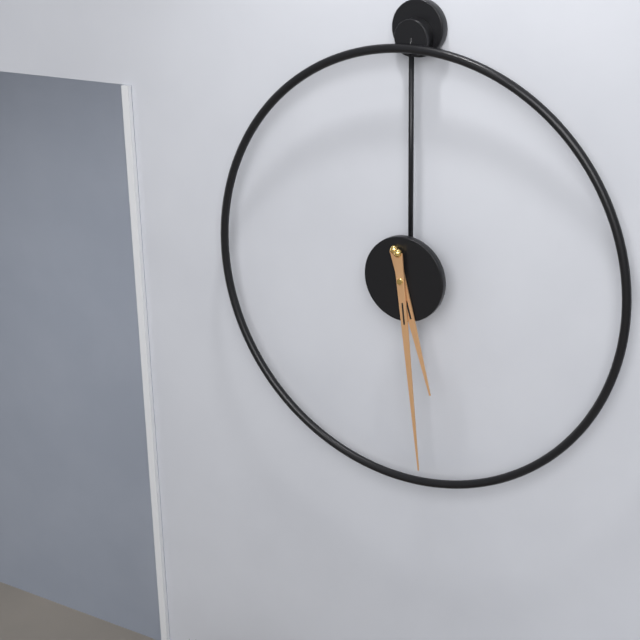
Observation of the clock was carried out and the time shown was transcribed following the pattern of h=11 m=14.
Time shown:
h=5 m=29
